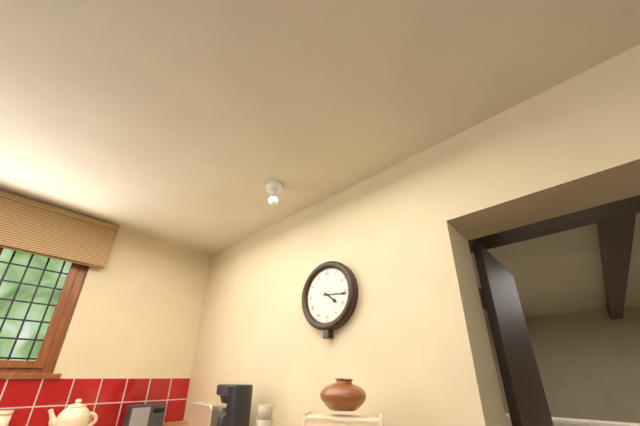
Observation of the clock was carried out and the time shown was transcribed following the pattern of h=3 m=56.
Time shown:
h=4 m=16
